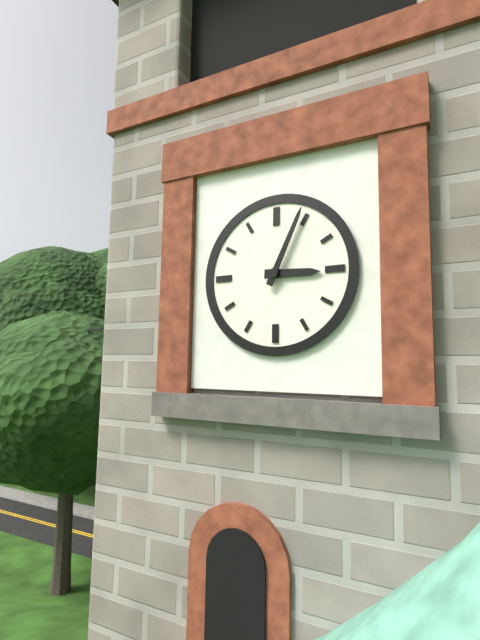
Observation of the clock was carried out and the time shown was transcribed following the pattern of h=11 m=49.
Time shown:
h=3 m=4
